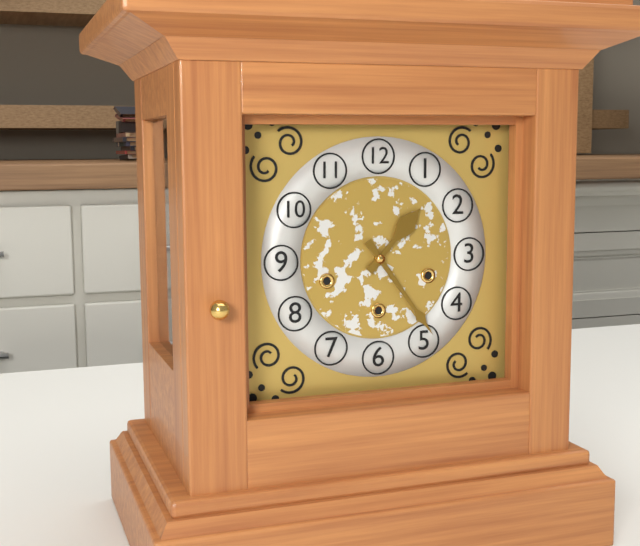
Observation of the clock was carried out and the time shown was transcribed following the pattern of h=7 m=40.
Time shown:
h=1 m=24
